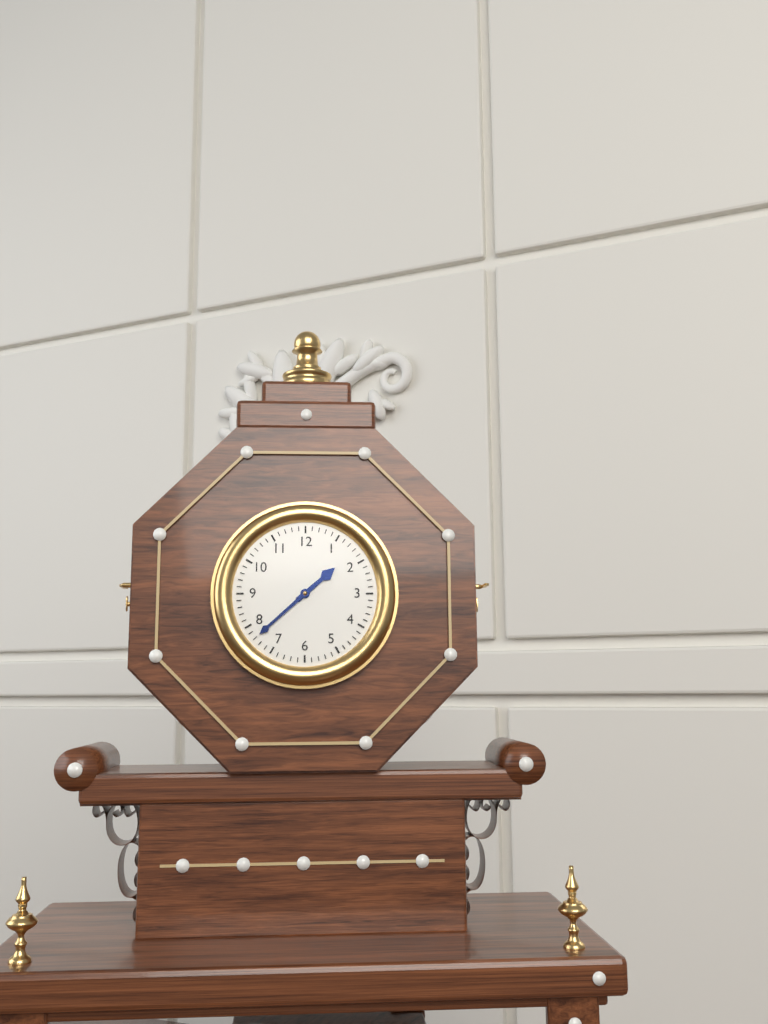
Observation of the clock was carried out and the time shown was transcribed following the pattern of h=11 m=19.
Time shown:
h=1 m=38
